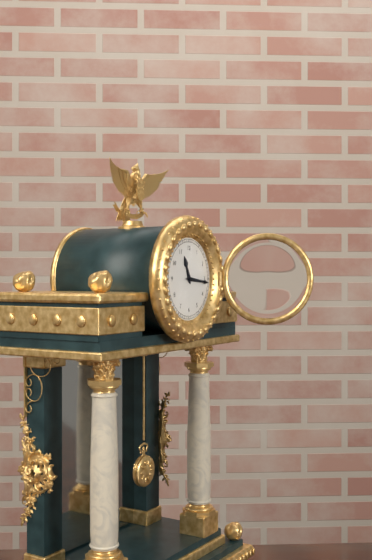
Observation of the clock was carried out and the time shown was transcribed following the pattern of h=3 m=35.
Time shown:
h=11 m=16
